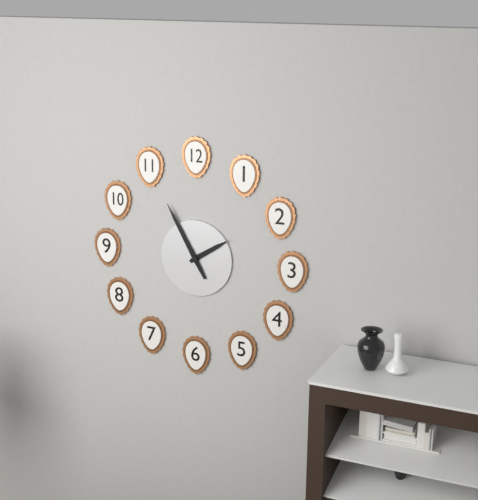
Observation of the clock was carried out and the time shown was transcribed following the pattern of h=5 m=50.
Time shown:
h=1 m=55
